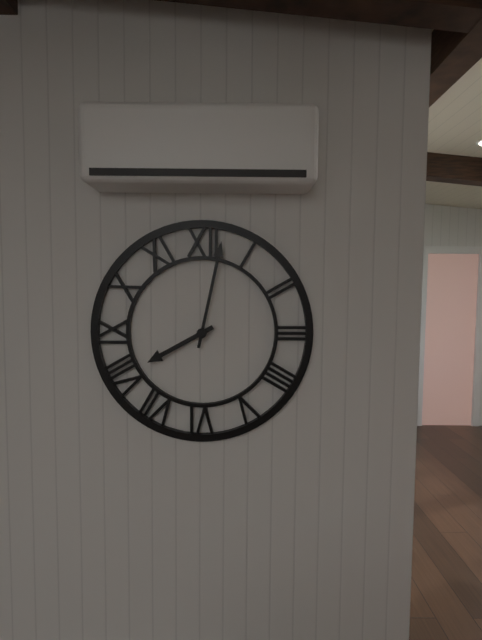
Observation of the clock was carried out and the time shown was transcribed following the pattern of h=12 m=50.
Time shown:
h=8 m=2
